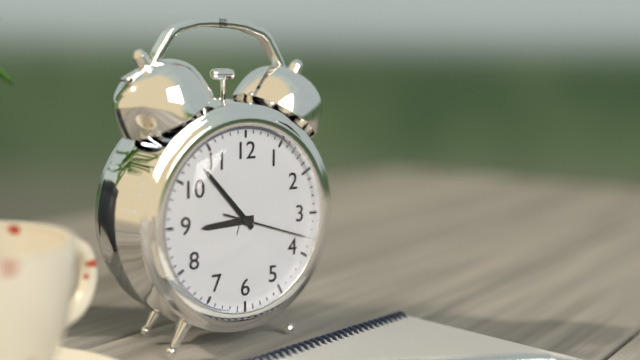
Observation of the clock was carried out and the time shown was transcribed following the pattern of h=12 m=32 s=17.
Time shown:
h=8 m=53 s=18
